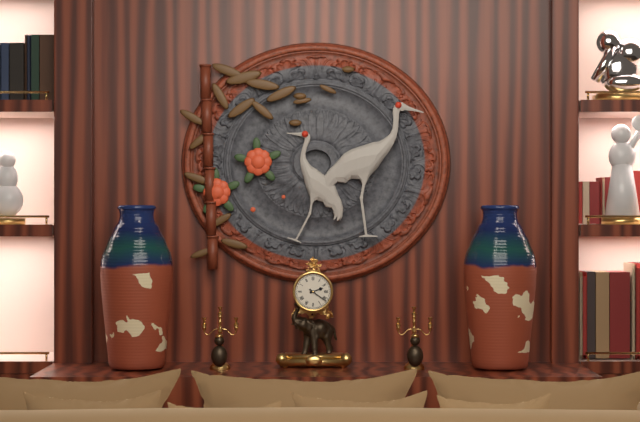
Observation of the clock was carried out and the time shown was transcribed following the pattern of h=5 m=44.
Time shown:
h=2 m=21
